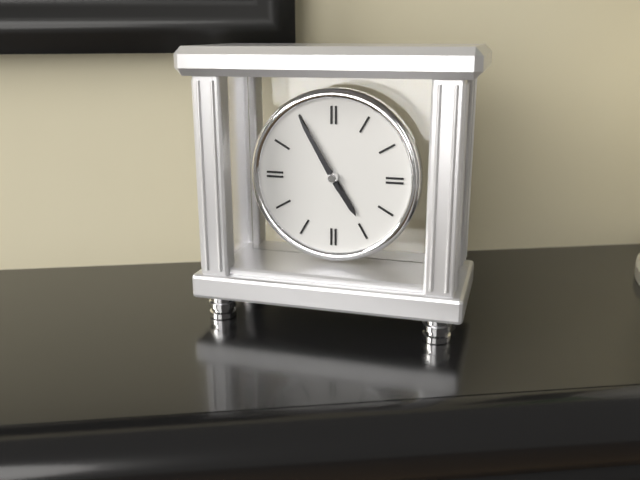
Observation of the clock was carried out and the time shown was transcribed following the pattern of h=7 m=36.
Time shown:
h=4 m=55
